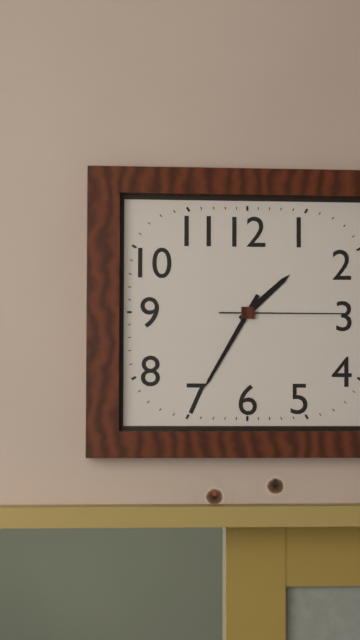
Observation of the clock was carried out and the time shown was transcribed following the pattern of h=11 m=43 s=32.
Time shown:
h=1 m=35 s=15
